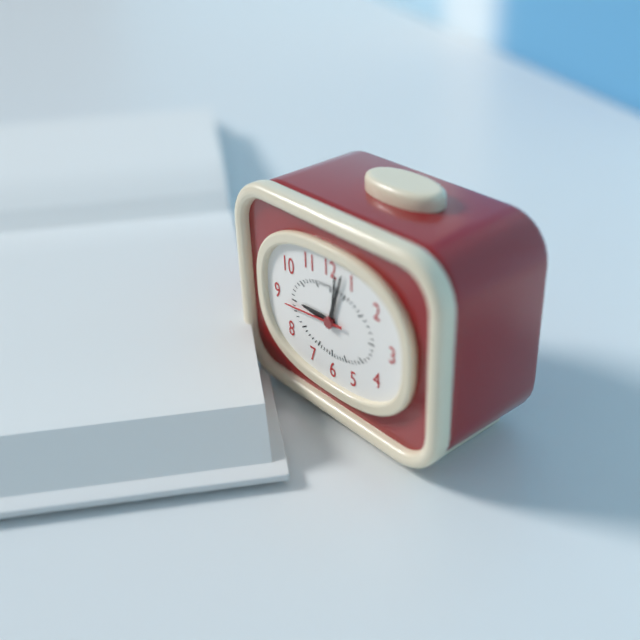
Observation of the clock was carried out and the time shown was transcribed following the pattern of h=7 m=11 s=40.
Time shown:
h=9 m=3 s=44
